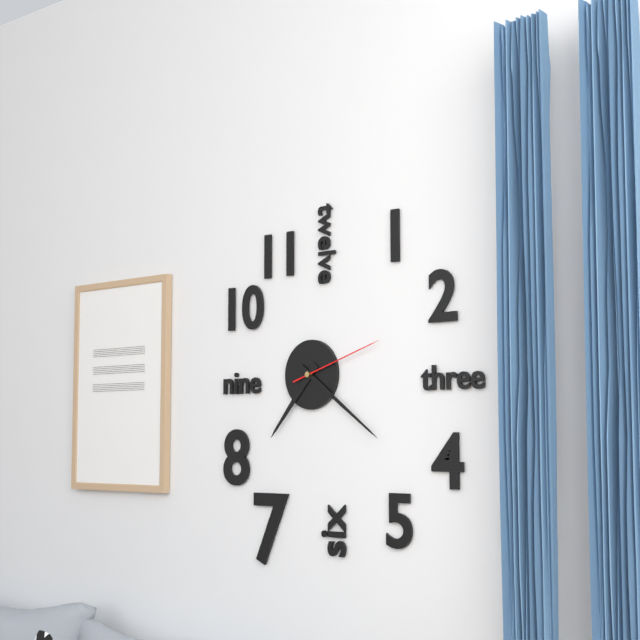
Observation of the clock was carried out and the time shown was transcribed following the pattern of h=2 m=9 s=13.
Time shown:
h=7 m=21 s=12
